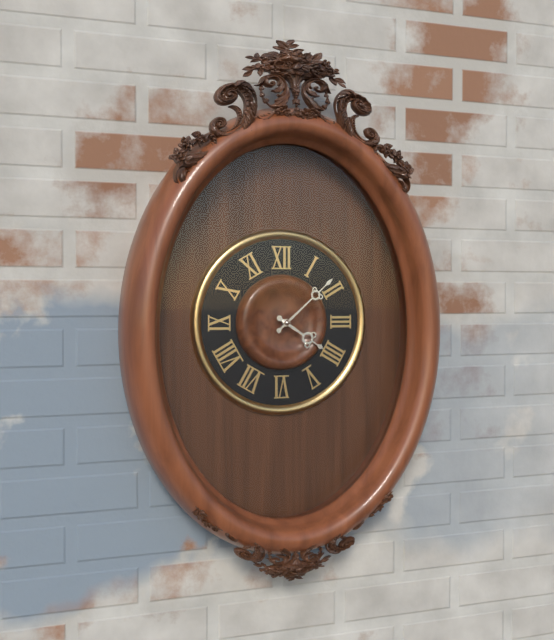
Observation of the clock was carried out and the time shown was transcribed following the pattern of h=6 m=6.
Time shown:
h=4 m=8
